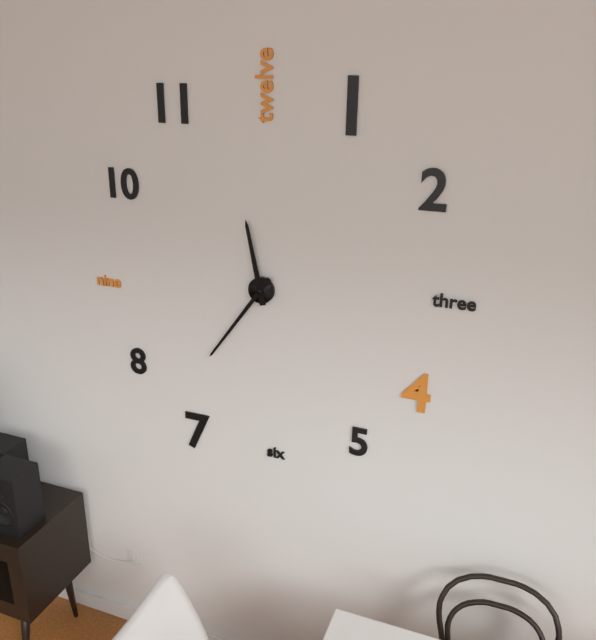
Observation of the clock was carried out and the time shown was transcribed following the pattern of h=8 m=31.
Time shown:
h=11 m=36
